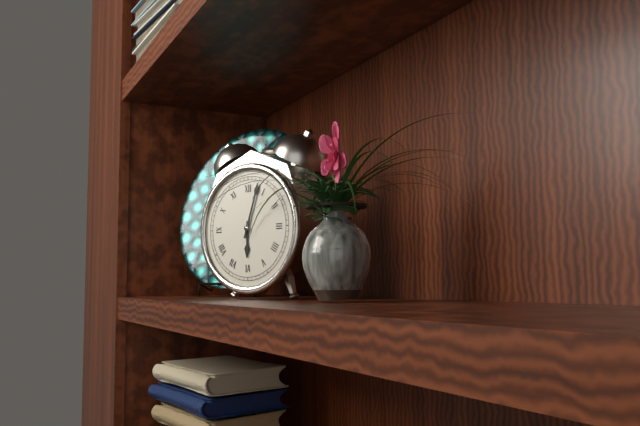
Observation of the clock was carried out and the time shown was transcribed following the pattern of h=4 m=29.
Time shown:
h=6 m=3
